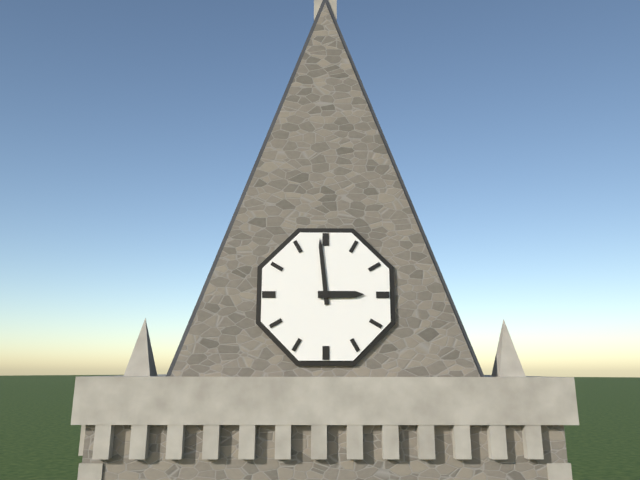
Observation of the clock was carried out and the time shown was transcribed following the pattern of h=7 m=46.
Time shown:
h=2 m=59
